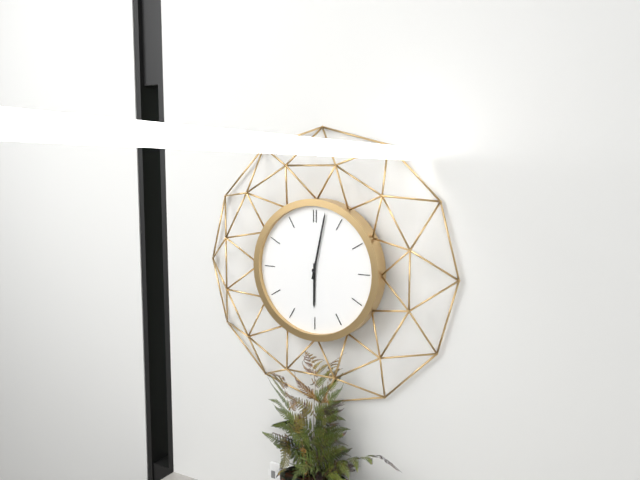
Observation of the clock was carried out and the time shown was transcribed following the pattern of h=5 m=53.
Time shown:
h=6 m=2
